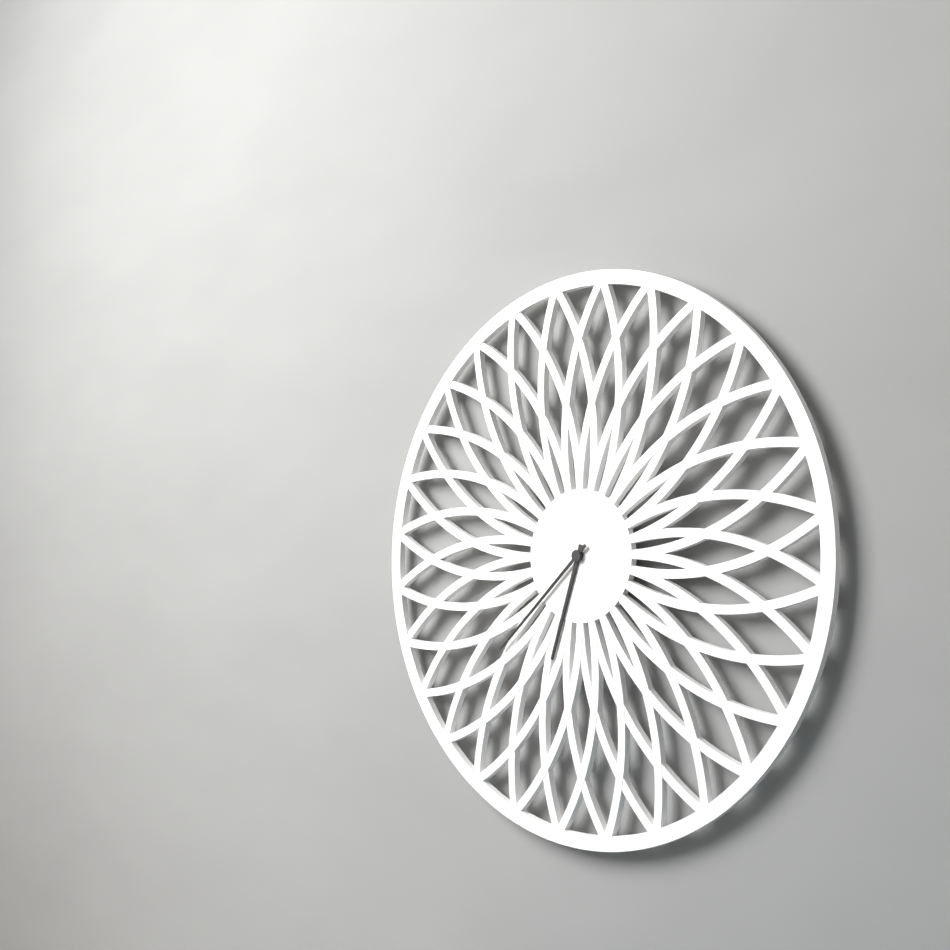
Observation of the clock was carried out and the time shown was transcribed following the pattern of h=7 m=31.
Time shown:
h=6 m=38
